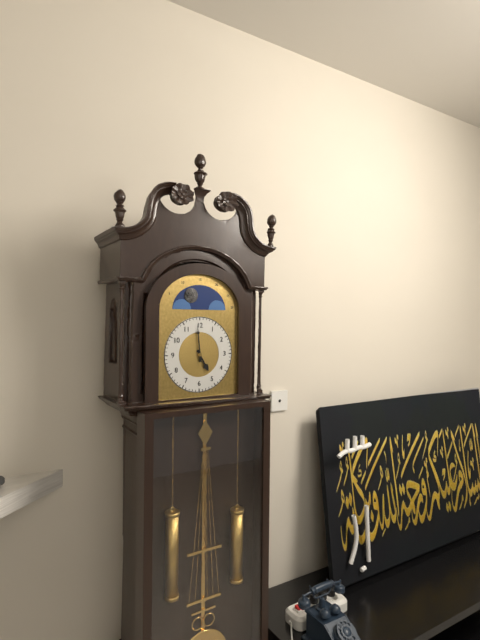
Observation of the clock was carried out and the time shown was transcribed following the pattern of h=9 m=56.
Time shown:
h=4 m=59
